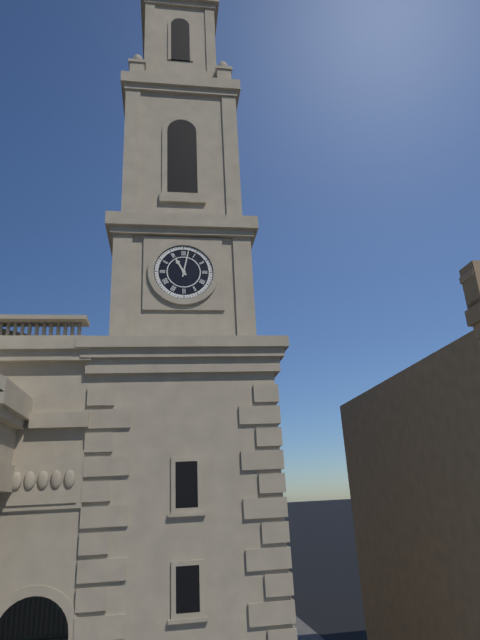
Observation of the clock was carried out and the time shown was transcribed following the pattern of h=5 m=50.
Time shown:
h=11 m=2
